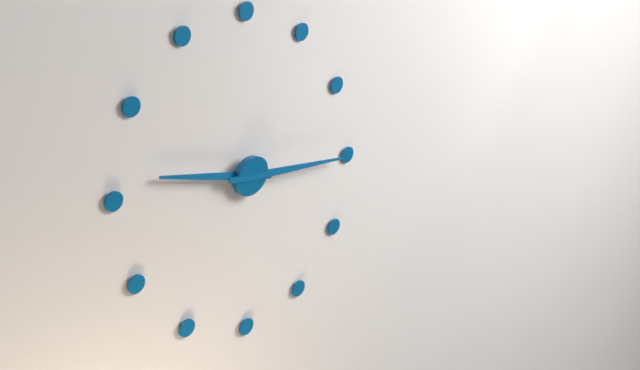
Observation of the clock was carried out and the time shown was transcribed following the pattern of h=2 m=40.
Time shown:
h=9 m=15
